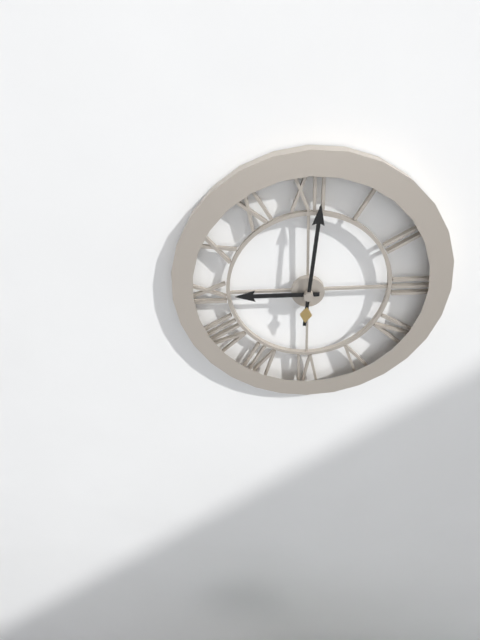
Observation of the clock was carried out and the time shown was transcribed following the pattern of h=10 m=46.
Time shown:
h=9 m=1
